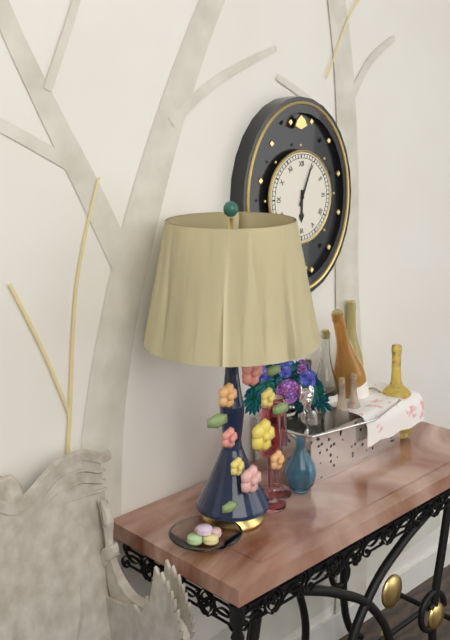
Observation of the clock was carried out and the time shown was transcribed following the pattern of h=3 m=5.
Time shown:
h=6 m=4
